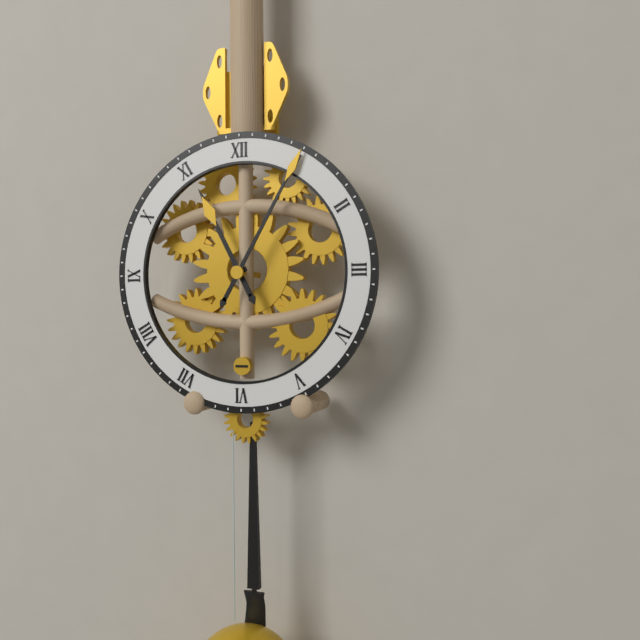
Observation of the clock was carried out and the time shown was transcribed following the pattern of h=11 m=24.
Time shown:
h=11 m=5
